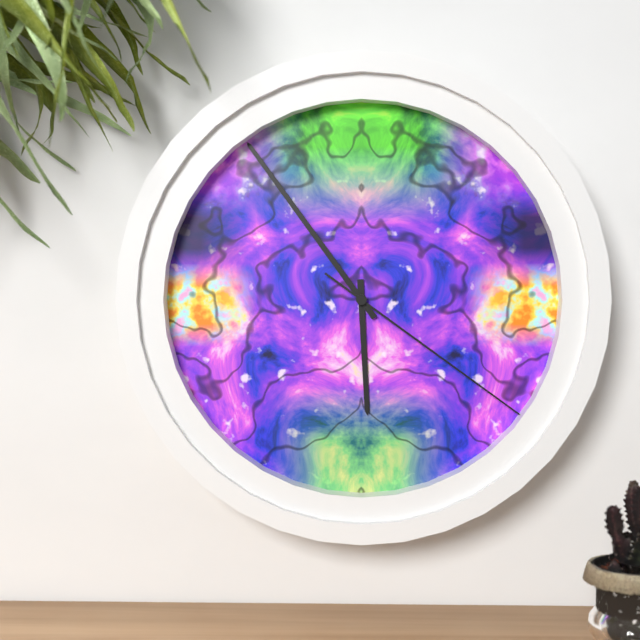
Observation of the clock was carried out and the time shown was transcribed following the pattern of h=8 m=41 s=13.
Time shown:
h=5 m=54 s=21
